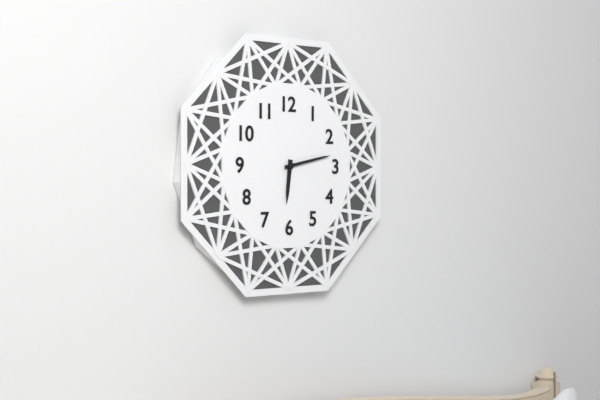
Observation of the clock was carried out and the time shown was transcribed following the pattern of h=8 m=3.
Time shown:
h=6 m=13
